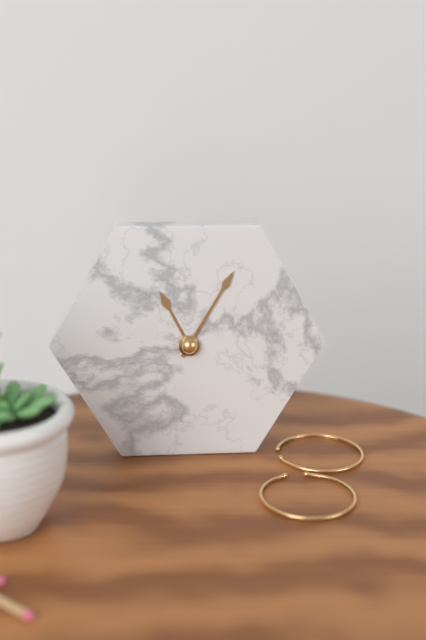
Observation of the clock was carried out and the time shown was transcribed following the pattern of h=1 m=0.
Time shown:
h=11 m=5
